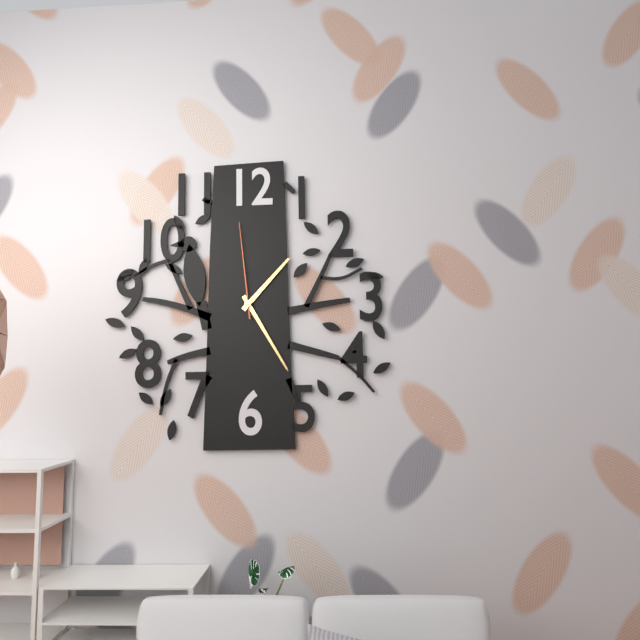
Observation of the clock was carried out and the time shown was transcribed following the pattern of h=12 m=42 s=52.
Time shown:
h=1 m=25 s=59
